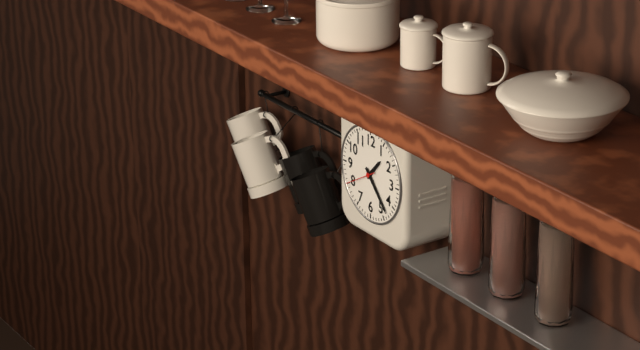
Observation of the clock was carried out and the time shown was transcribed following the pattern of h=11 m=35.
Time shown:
h=1 m=23
